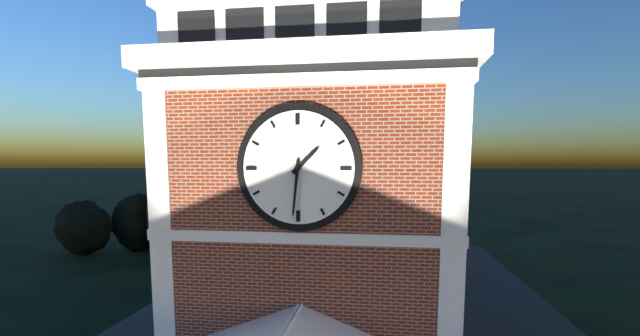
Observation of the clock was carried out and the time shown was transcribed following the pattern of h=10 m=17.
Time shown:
h=1 m=31
